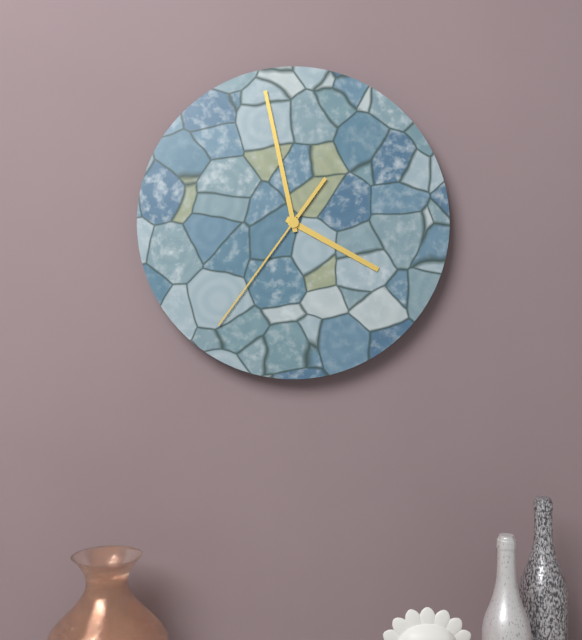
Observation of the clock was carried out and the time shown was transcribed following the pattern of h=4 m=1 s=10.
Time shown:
h=3 m=58 s=36
